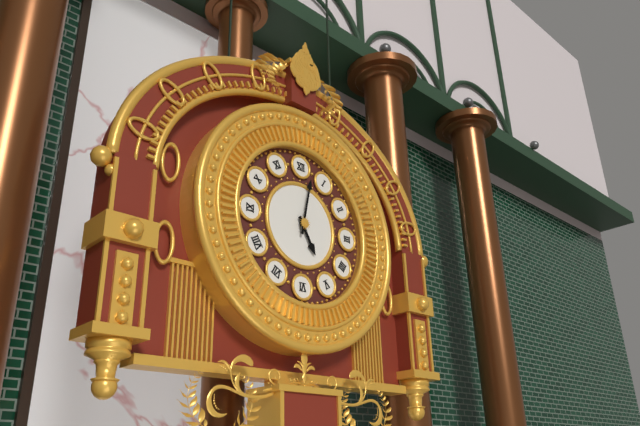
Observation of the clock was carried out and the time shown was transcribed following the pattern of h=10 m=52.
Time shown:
h=5 m=2
